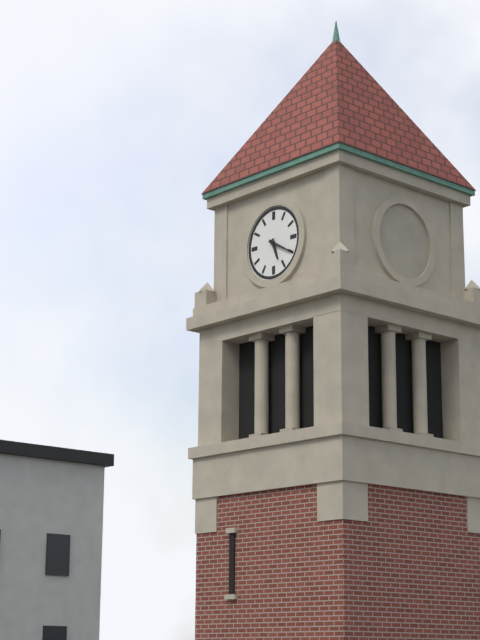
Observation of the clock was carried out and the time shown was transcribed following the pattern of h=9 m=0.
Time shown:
h=5 m=20
